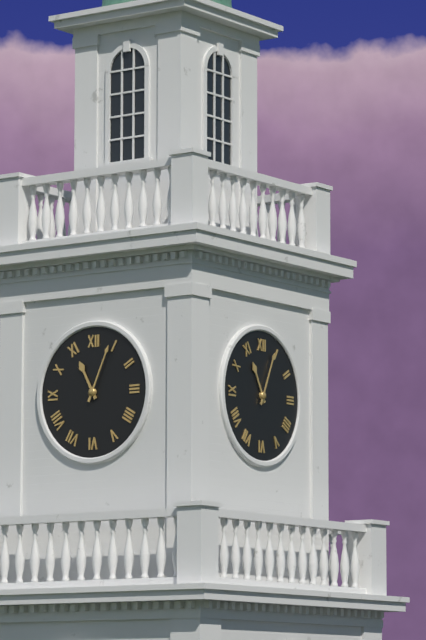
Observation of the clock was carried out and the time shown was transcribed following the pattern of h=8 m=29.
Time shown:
h=11 m=4
